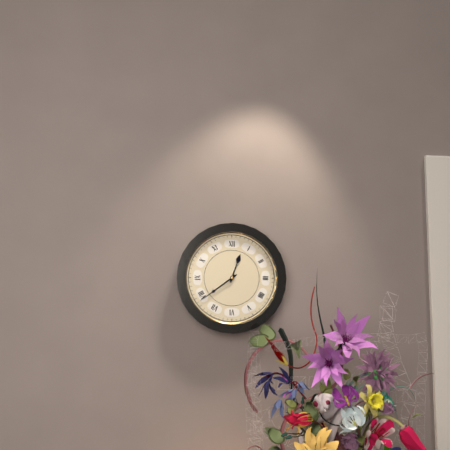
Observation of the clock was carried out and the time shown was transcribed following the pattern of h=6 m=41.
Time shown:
h=12 m=39
